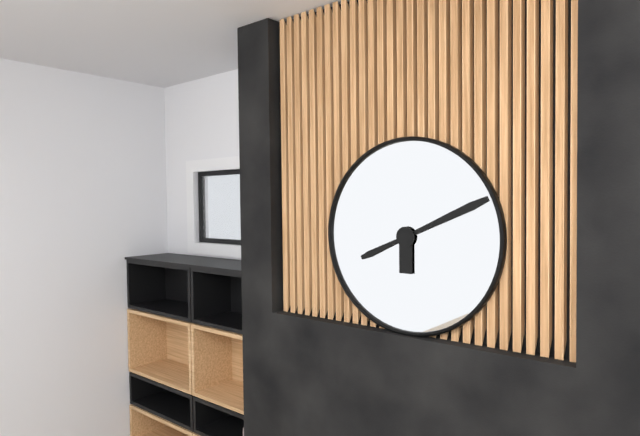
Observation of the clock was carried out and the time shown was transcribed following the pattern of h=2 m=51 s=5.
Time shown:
h=2 m=11 s=41
